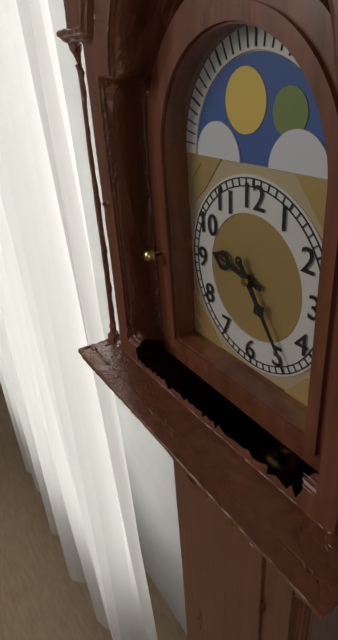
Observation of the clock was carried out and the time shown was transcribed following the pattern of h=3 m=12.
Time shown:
h=9 m=24
